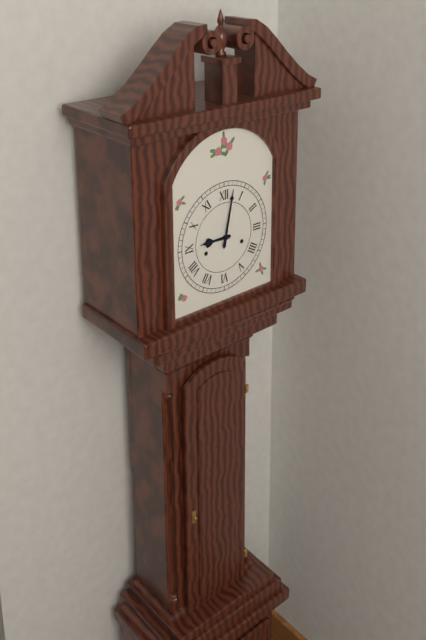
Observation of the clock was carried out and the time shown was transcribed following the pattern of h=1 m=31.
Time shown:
h=9 m=2
